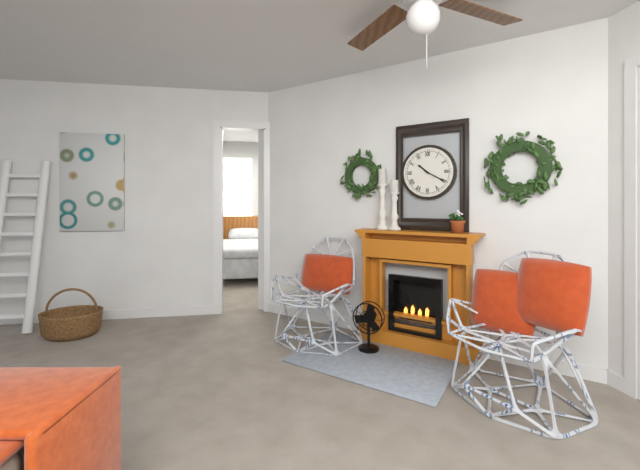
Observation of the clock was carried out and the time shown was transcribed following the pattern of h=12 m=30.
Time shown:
h=10 m=20
